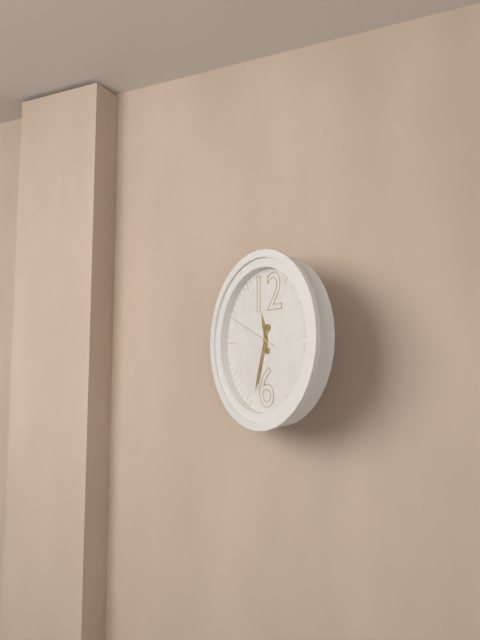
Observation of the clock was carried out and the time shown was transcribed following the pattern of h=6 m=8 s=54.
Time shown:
h=11 m=33 s=49
